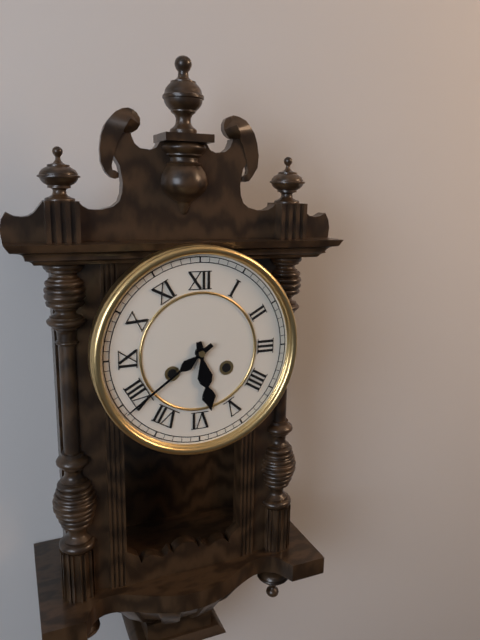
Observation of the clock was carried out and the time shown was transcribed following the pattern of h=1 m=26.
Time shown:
h=5 m=39
